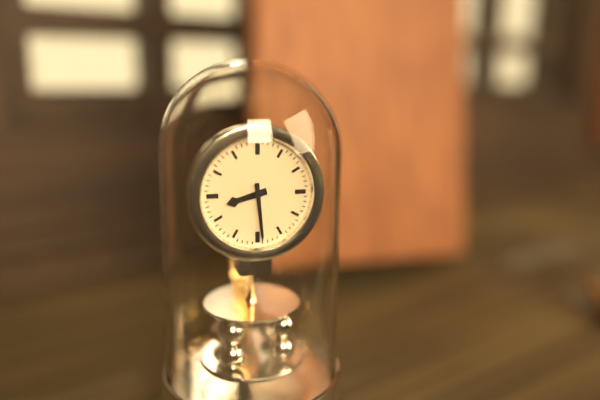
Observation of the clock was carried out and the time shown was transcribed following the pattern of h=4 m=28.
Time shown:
h=8 m=29
